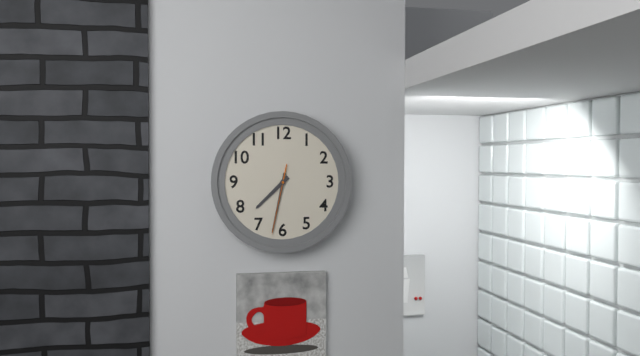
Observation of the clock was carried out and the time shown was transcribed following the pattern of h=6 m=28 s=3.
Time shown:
h=7 m=32 s=32
